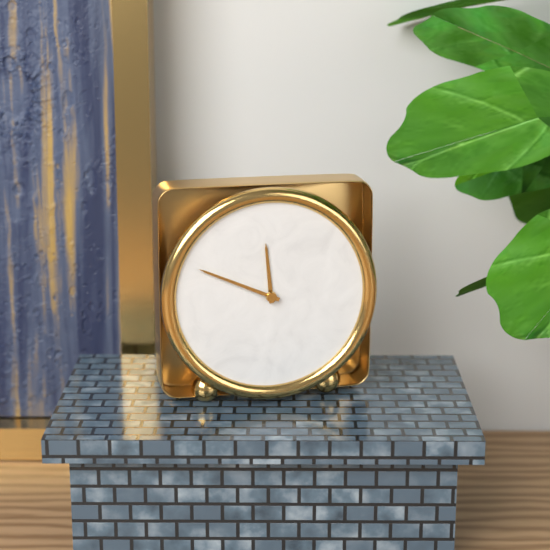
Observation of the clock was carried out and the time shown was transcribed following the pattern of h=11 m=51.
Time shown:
h=11 m=49
